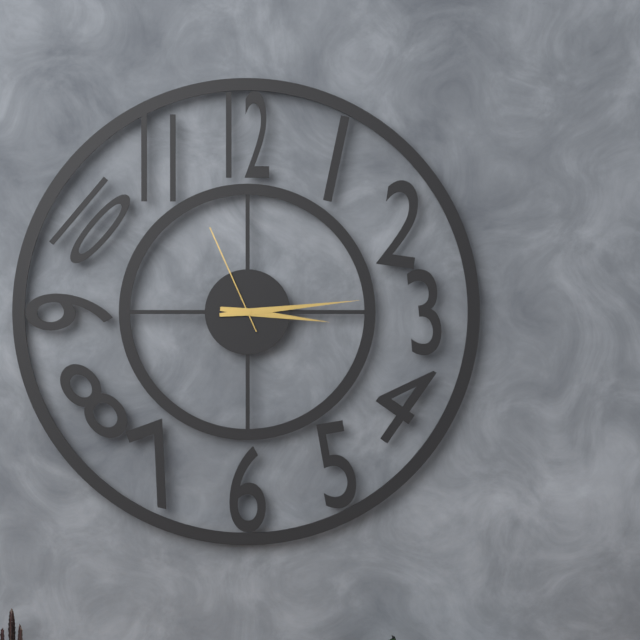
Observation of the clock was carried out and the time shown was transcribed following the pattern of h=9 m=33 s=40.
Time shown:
h=3 m=14 s=56
